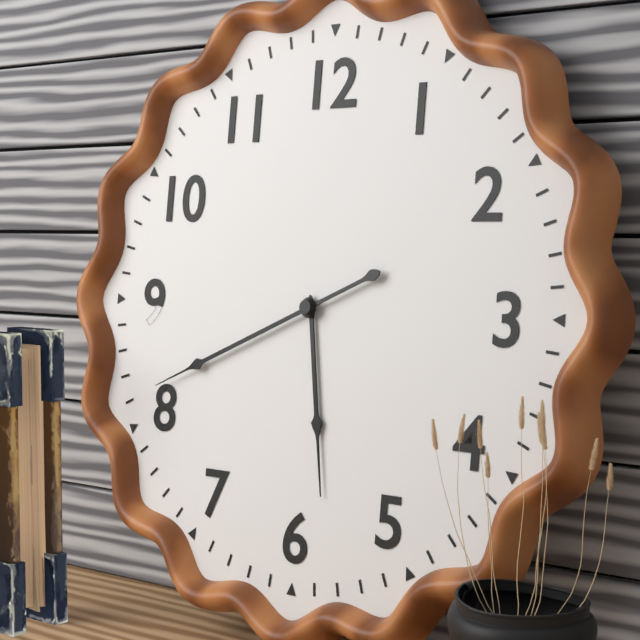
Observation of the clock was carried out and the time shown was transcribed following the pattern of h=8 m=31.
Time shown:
h=5 m=41
